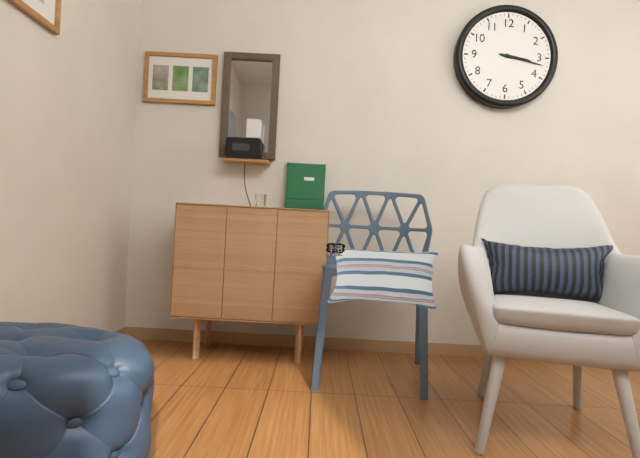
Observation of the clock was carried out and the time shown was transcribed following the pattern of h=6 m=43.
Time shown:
h=3 m=17
